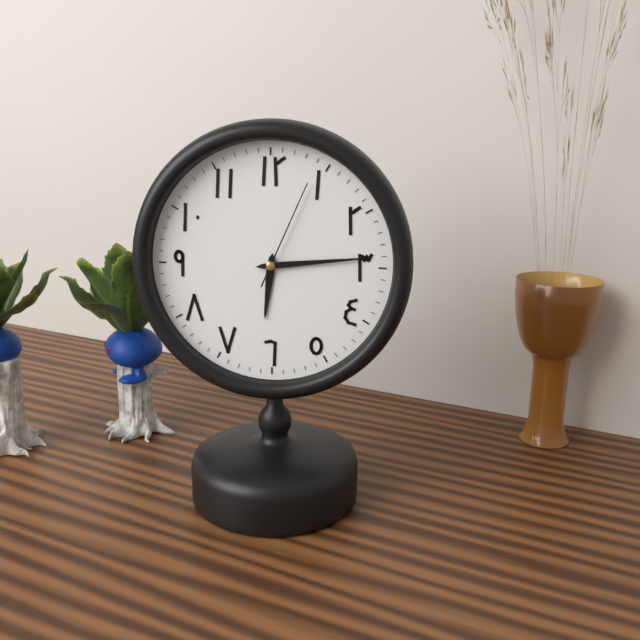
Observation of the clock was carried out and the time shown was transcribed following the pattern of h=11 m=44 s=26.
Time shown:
h=6 m=14 s=4
